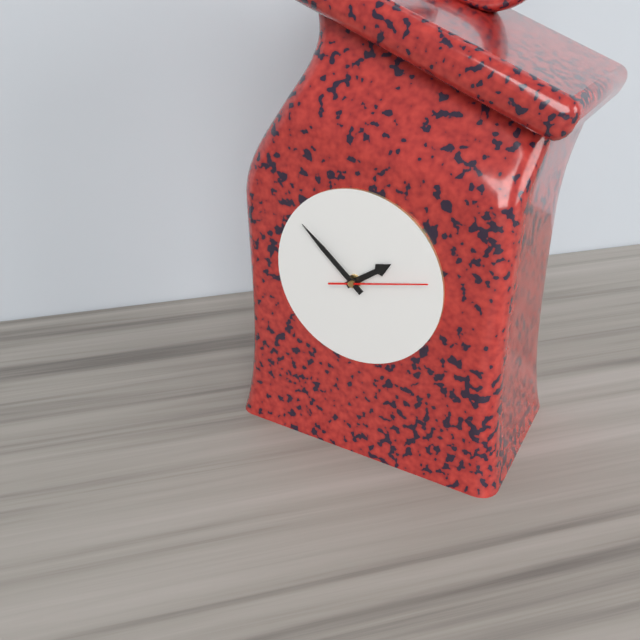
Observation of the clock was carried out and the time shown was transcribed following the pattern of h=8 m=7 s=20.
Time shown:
h=1 m=52 s=13
